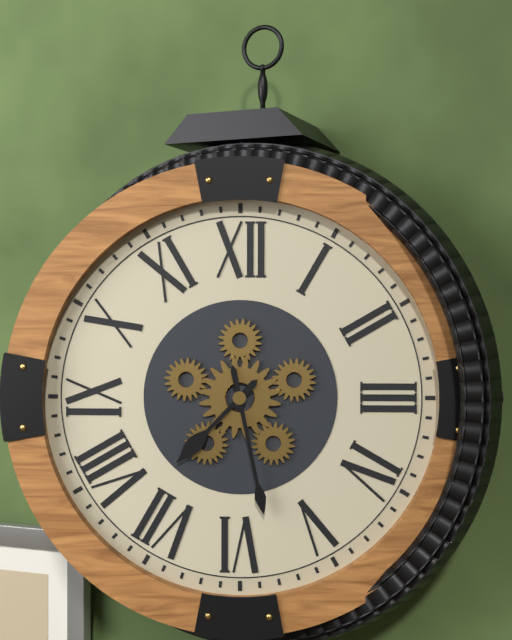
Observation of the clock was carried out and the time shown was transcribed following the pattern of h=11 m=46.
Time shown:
h=7 m=28
